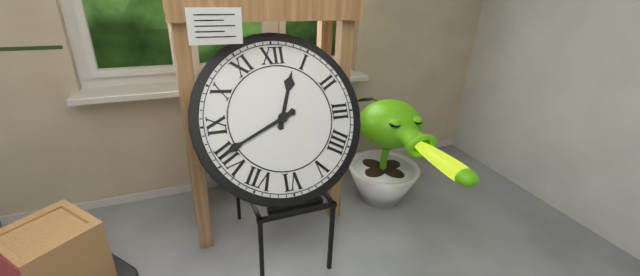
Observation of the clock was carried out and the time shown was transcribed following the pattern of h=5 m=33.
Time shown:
h=12 m=41
